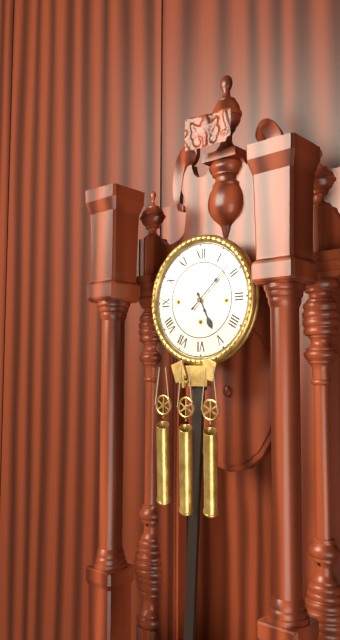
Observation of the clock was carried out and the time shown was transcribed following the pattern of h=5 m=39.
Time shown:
h=5 m=8
